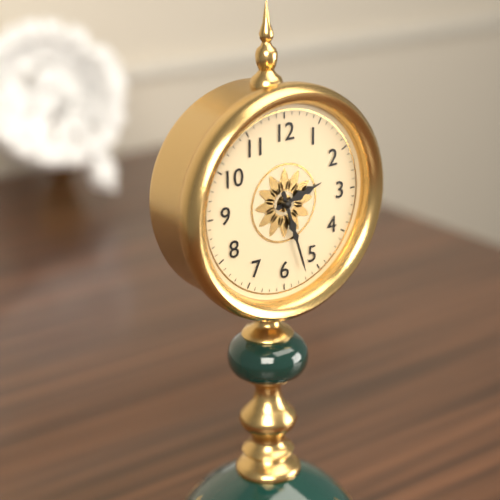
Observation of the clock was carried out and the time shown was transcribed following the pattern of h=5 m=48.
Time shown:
h=2 m=27
